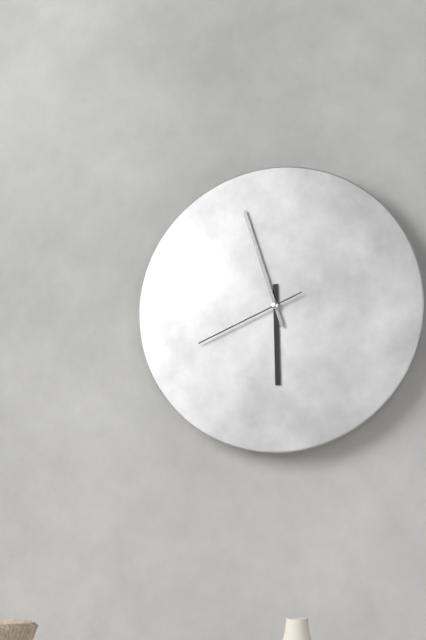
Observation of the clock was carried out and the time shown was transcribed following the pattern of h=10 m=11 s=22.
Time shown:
h=5 m=57 s=41
